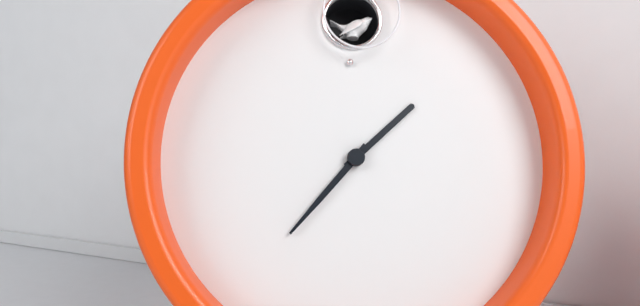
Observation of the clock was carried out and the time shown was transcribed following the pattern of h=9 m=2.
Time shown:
h=1 m=37
